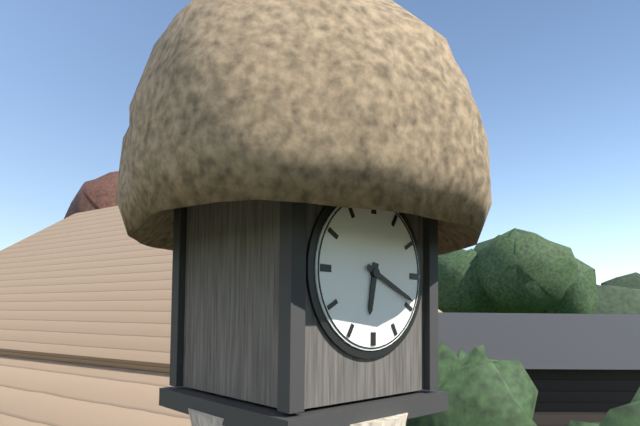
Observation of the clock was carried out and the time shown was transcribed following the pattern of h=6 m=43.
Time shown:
h=6 m=19
